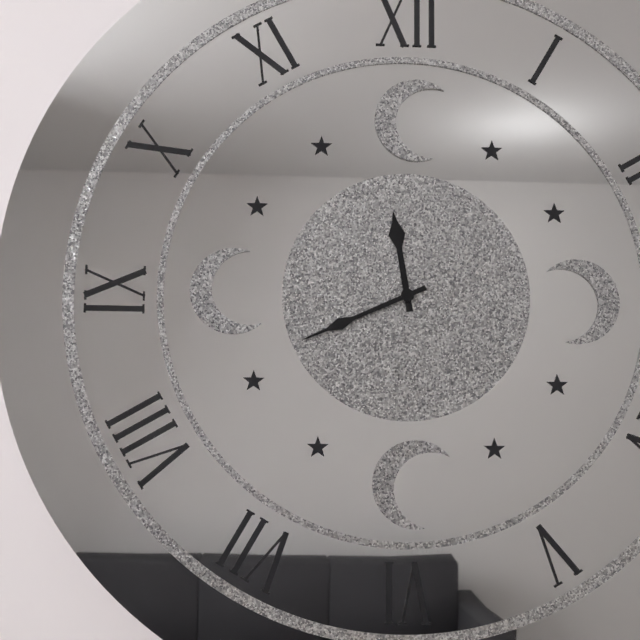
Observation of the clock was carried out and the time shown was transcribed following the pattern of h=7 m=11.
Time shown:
h=11 m=41
